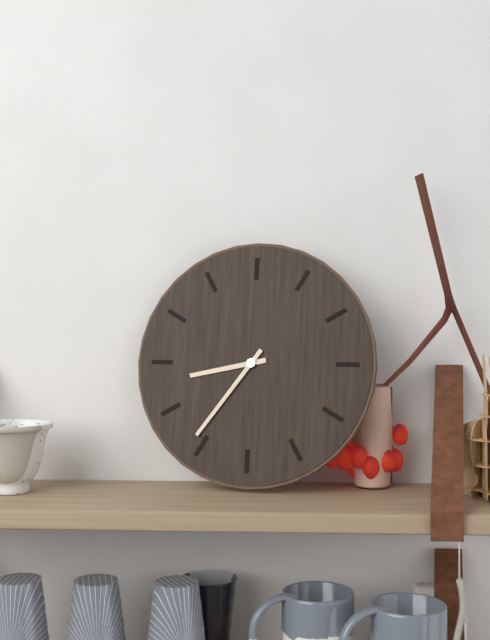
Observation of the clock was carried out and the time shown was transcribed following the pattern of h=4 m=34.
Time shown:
h=8 m=36
